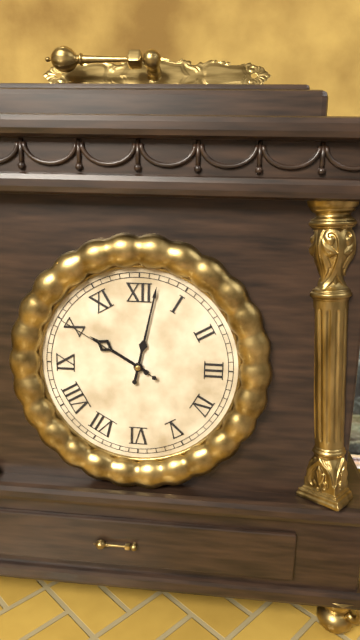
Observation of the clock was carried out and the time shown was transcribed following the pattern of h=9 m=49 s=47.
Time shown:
h=10 m=2 s=50
